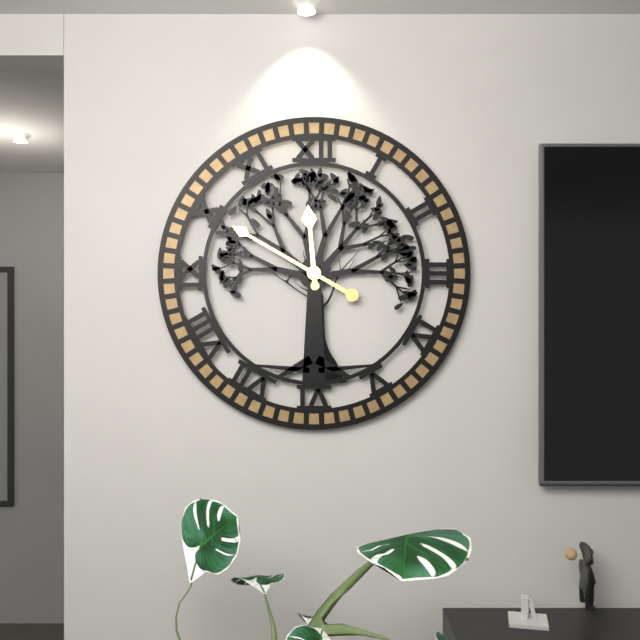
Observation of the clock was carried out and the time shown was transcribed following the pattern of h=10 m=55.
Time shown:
h=11 m=50
